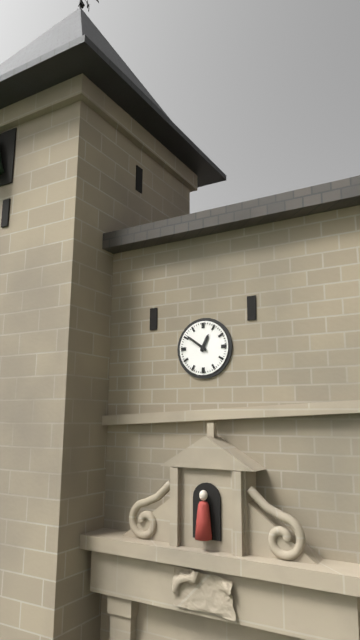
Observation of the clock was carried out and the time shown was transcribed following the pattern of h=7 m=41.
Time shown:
h=12 m=51
